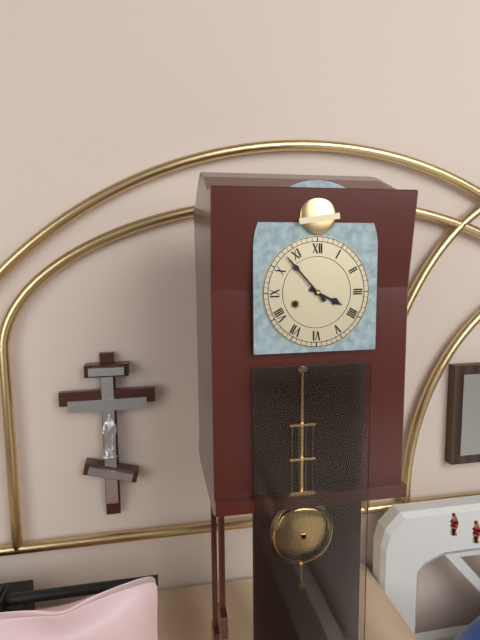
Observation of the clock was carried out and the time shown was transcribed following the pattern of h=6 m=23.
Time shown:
h=3 m=53
